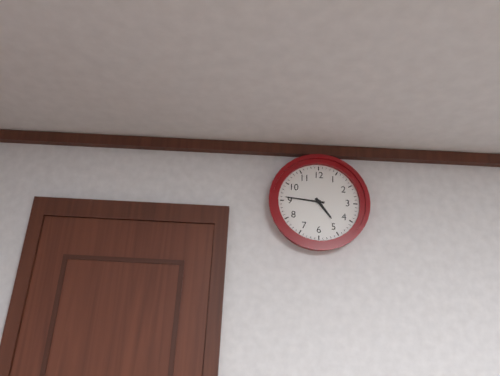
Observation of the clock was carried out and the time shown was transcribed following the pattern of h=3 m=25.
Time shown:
h=4 m=46
